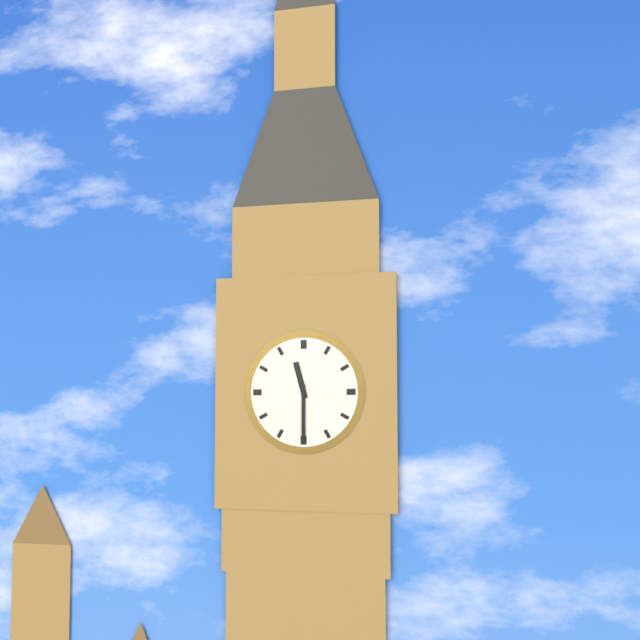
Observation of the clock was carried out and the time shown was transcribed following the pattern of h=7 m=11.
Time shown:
h=11 m=30
